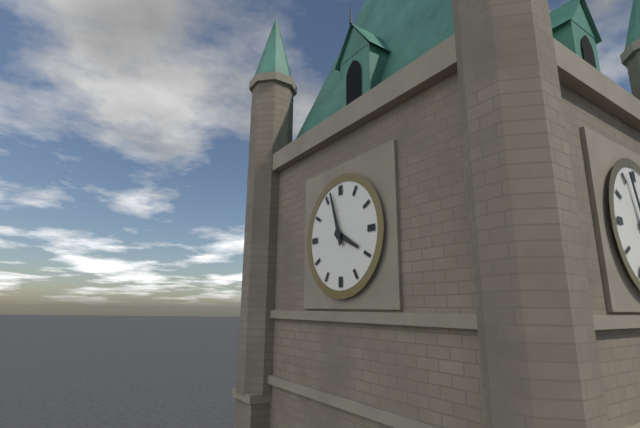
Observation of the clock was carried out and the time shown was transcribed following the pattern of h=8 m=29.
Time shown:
h=3 m=57
